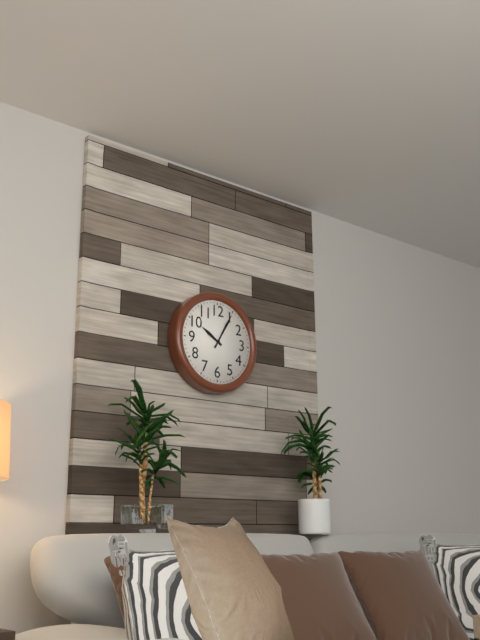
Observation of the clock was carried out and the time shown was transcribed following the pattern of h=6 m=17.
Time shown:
h=10 m=5
